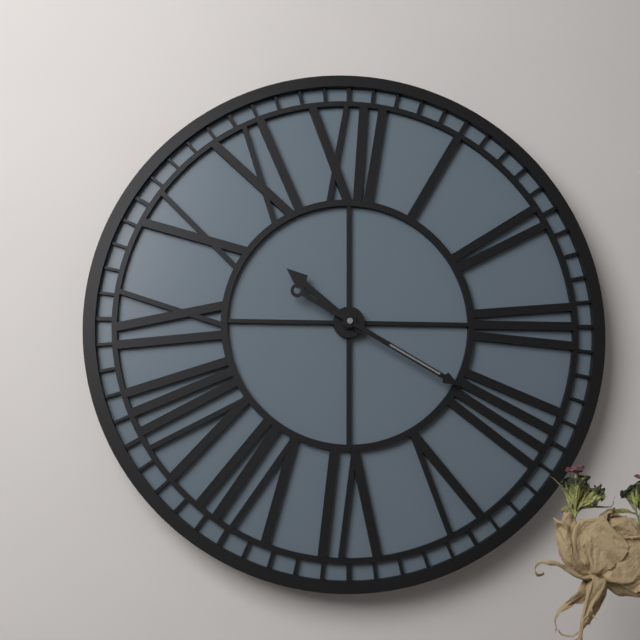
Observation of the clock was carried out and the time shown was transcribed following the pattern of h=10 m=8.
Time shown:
h=10 m=20
